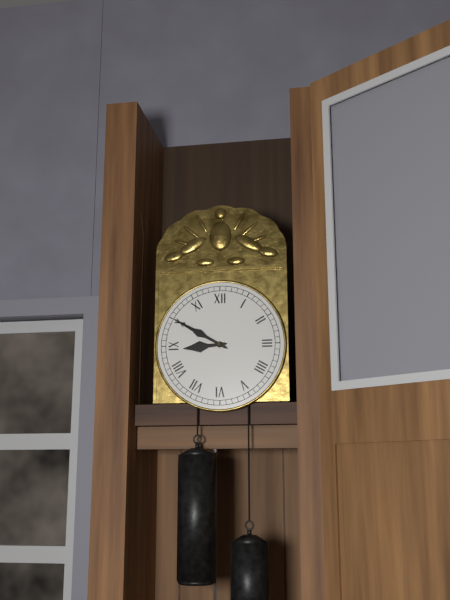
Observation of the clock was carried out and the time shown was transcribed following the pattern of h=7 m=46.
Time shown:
h=8 m=50
